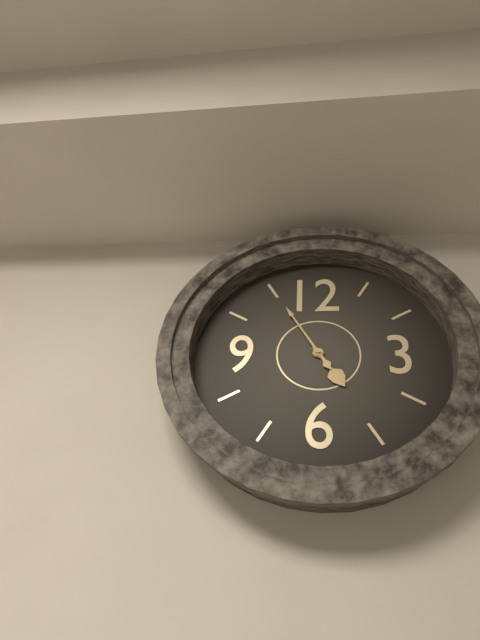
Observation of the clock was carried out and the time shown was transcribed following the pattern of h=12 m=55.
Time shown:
h=4 m=55
